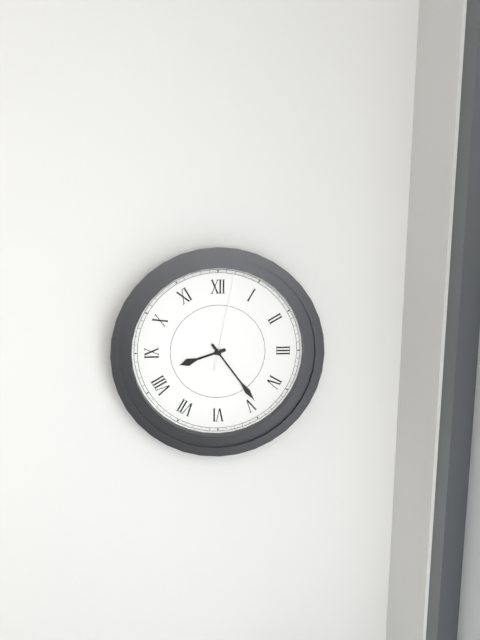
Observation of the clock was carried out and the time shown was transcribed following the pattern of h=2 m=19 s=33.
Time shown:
h=8 m=24 s=2
